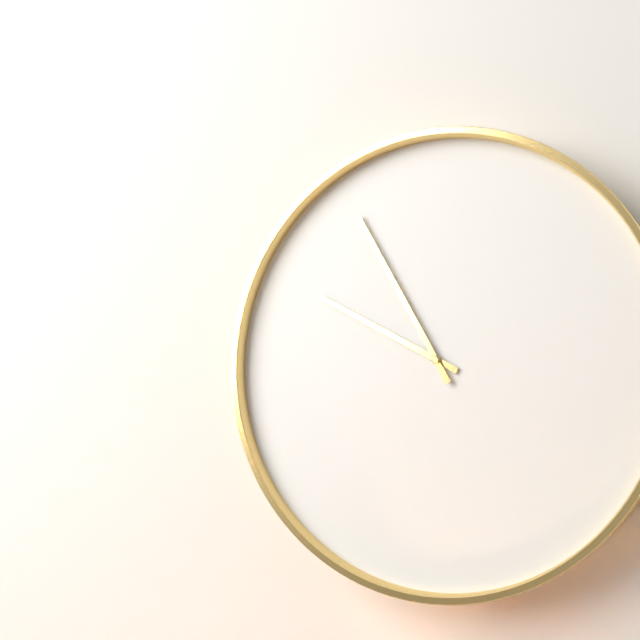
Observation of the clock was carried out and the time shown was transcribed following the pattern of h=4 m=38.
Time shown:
h=9 m=55
